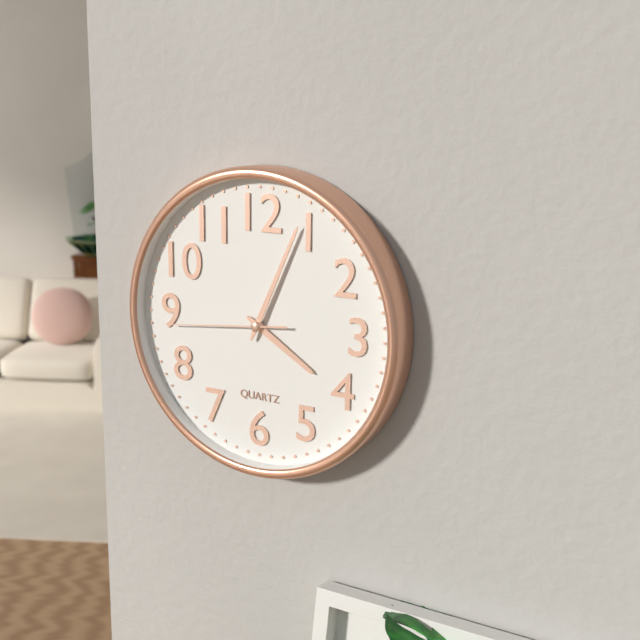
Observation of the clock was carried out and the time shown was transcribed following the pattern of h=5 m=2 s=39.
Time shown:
h=4 m=4 s=44
